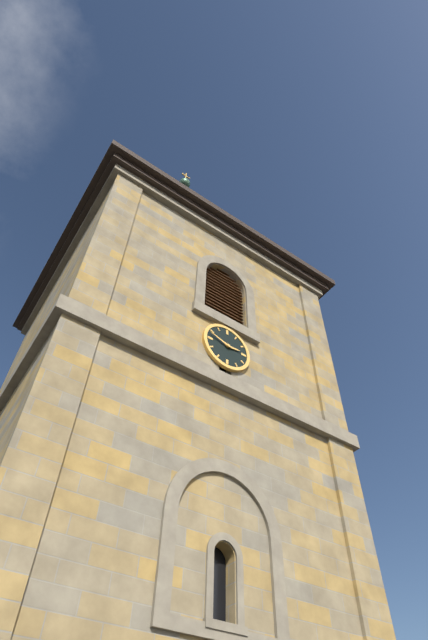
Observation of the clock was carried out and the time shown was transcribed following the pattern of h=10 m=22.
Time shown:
h=2 m=48
